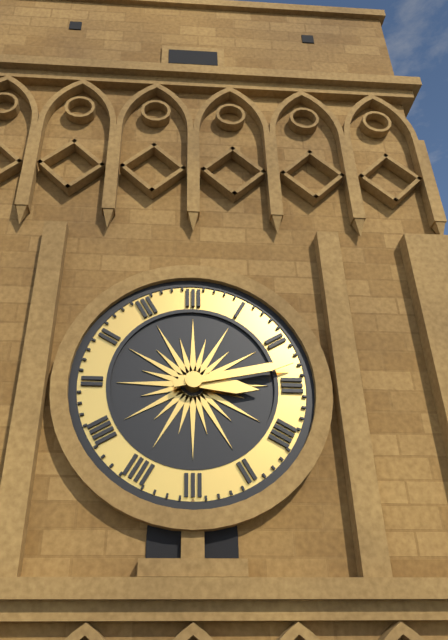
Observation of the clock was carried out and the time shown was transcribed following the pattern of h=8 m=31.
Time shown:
h=3 m=13
